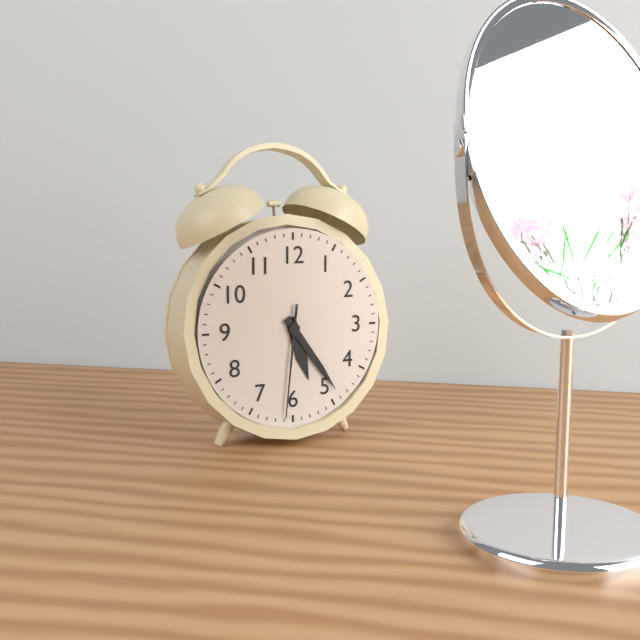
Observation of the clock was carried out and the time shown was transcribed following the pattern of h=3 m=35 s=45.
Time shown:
h=5 m=24 s=31
